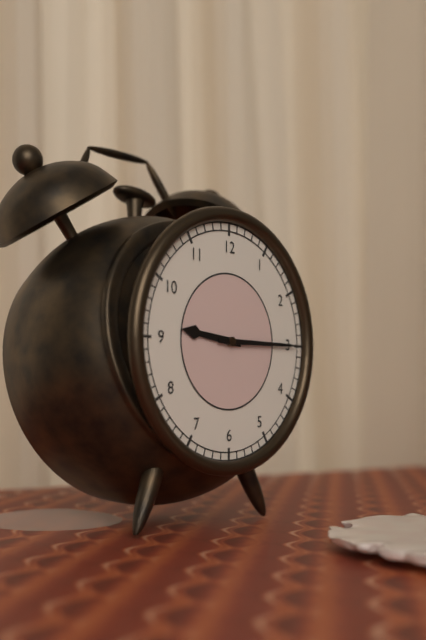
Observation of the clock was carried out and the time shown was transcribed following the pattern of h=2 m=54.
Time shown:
h=9 m=15
